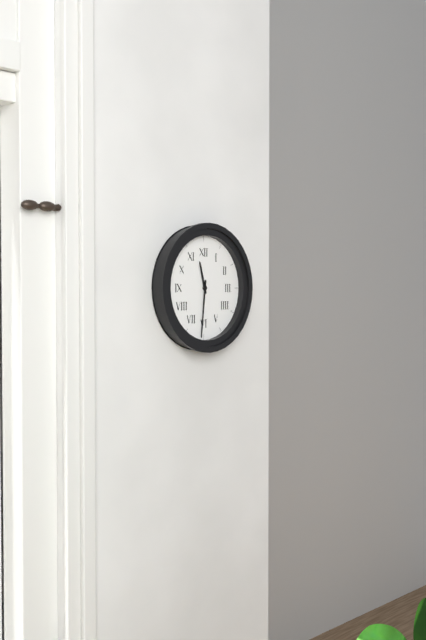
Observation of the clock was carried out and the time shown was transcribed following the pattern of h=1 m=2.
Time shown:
h=11 m=31
